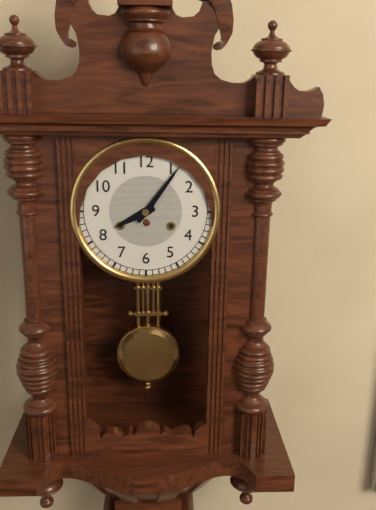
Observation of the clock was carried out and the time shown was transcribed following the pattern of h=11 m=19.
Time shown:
h=8 m=6
